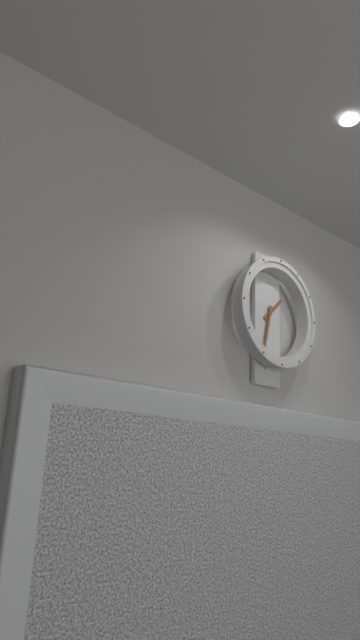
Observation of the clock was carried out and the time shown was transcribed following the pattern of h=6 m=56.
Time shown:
h=1 m=32
